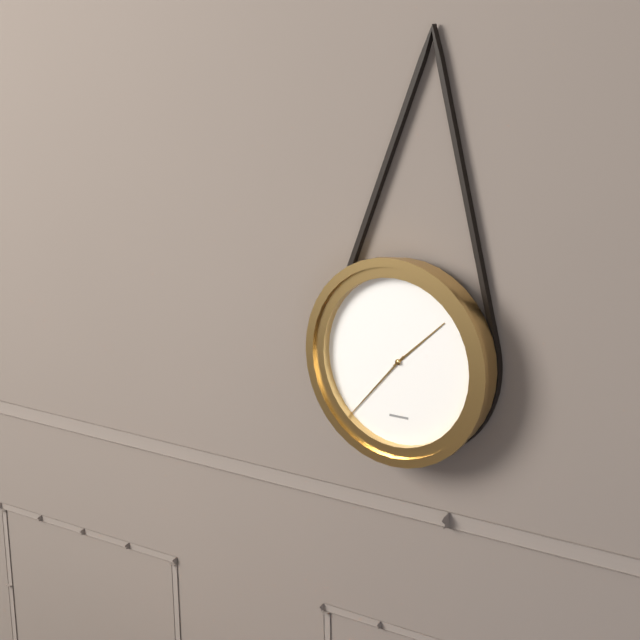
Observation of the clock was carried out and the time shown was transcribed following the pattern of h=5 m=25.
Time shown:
h=1 m=37
